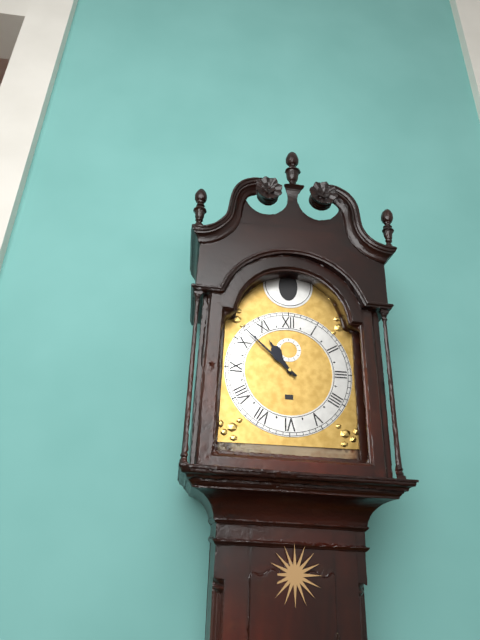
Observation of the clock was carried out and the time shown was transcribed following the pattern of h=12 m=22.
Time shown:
h=10 m=52
